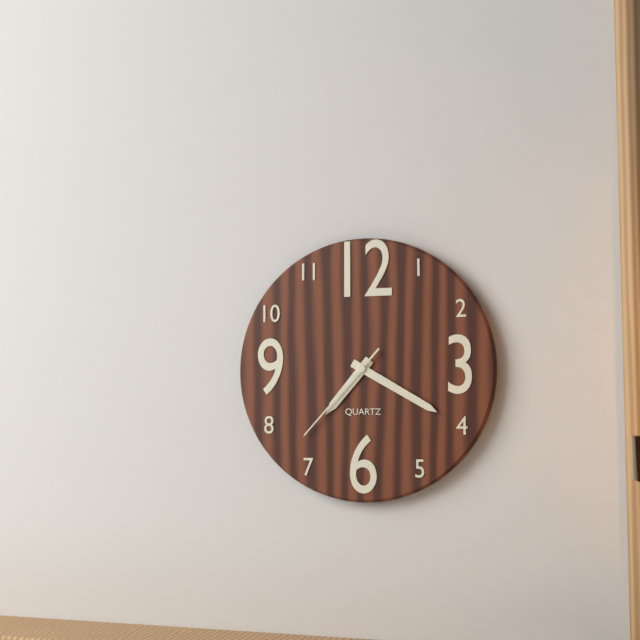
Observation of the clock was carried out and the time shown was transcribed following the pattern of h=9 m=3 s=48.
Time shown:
h=7 m=20 s=37
